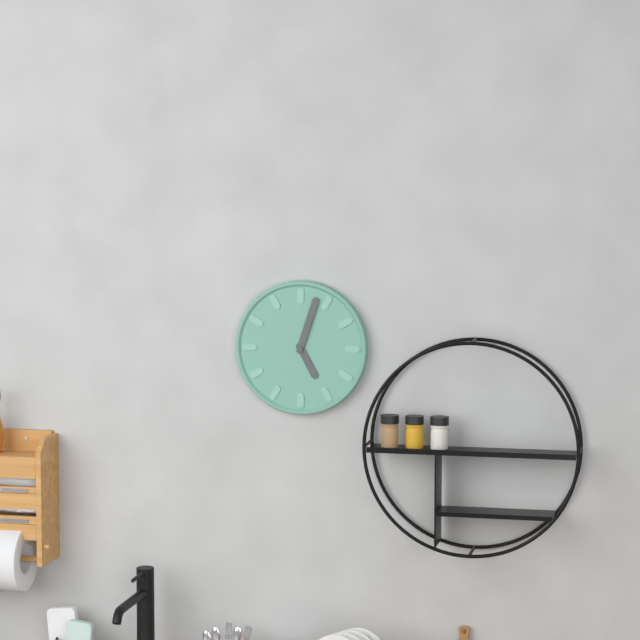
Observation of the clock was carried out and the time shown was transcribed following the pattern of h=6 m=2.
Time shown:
h=5 m=3
